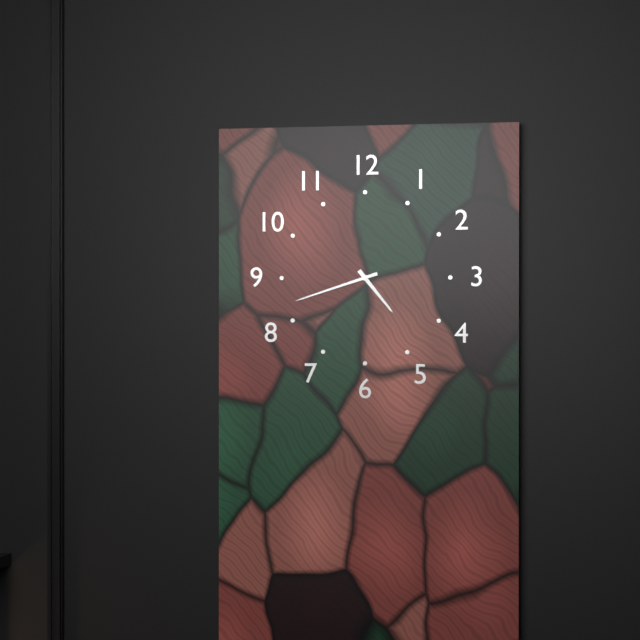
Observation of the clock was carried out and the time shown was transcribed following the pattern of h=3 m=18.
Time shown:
h=4 m=42
